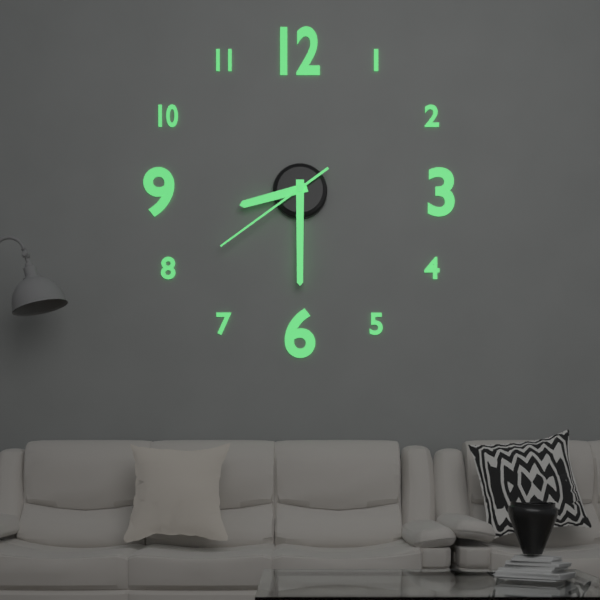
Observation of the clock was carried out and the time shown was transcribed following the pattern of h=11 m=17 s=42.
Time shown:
h=8 m=30 s=39
